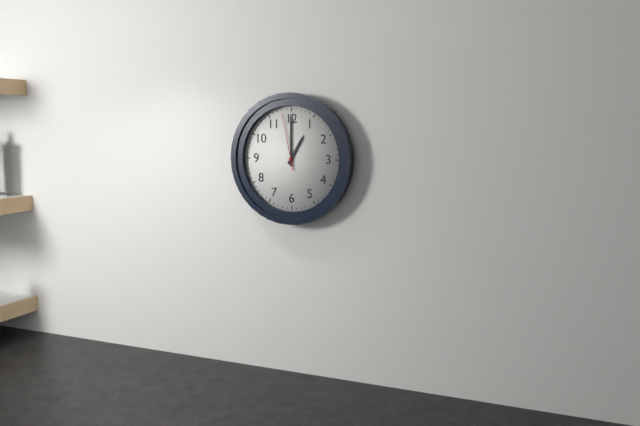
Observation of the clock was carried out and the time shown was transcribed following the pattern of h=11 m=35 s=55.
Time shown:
h=1 m=0 s=58
